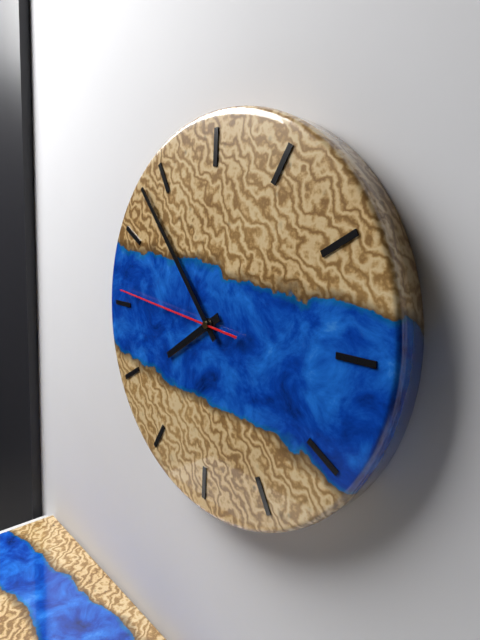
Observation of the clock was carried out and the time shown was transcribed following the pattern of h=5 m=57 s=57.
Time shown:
h=7 m=53 s=46
